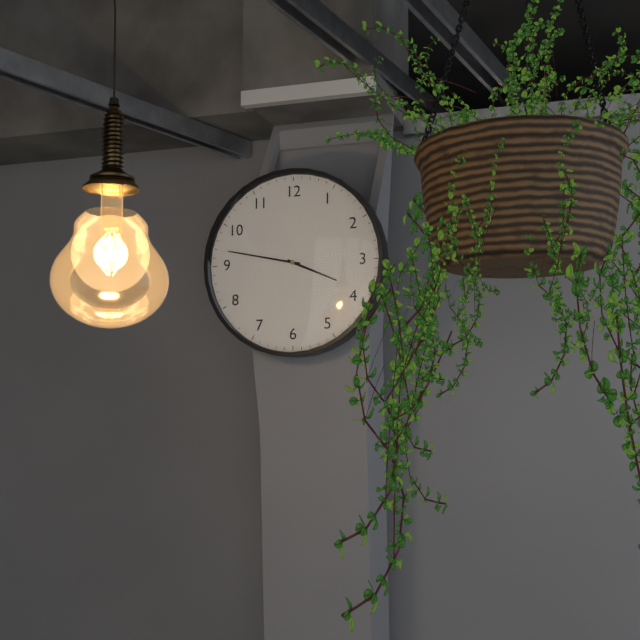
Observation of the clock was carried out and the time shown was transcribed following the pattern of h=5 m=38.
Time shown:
h=3 m=47
